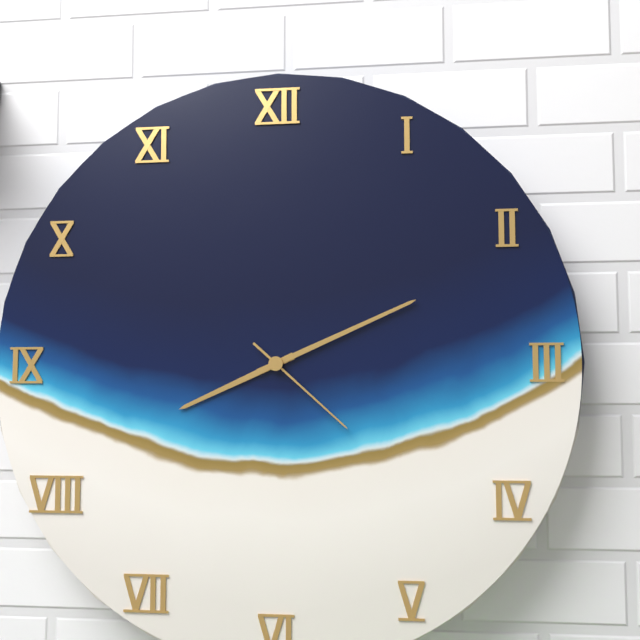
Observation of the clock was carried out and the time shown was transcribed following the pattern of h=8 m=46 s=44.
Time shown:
h=8 m=11 s=22
